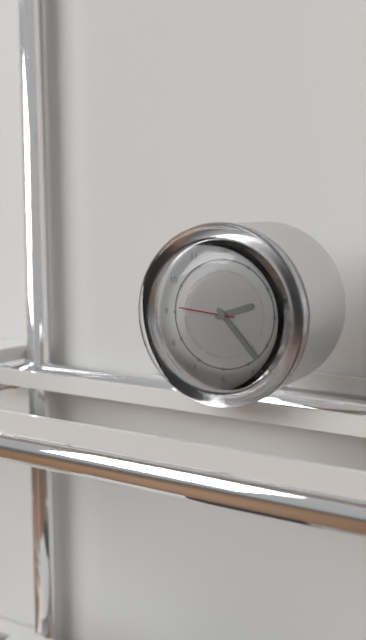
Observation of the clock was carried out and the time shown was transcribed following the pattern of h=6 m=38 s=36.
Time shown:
h=2 m=23 s=46
